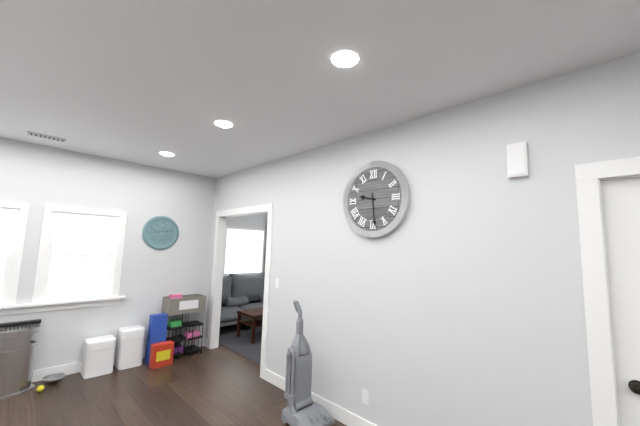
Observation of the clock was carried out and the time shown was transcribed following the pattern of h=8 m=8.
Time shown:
h=9 m=29
